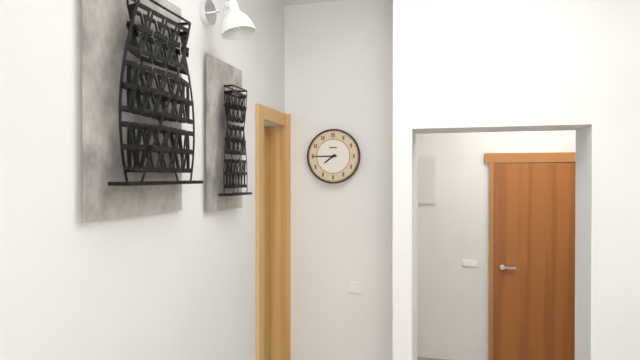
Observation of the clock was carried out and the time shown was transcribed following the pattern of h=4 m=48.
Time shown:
h=7 m=45
